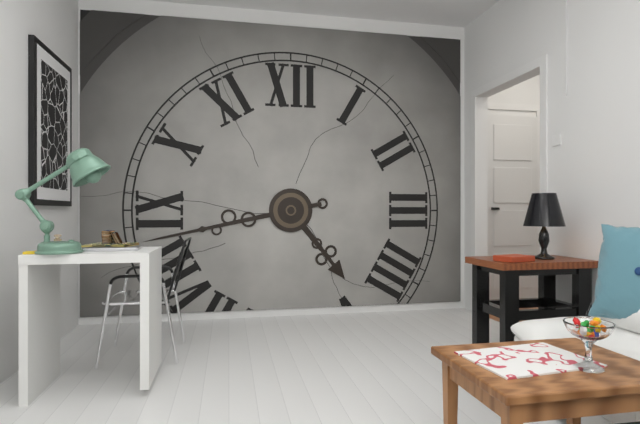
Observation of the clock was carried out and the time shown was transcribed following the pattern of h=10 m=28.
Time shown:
h=4 m=43
